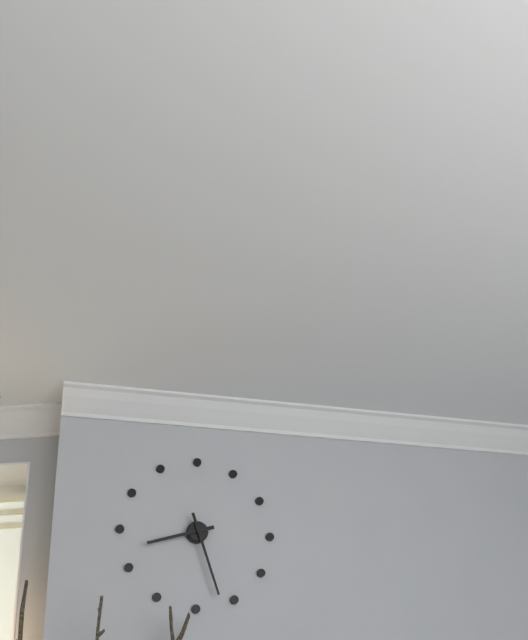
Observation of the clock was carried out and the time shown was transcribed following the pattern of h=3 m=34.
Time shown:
h=8 m=27
